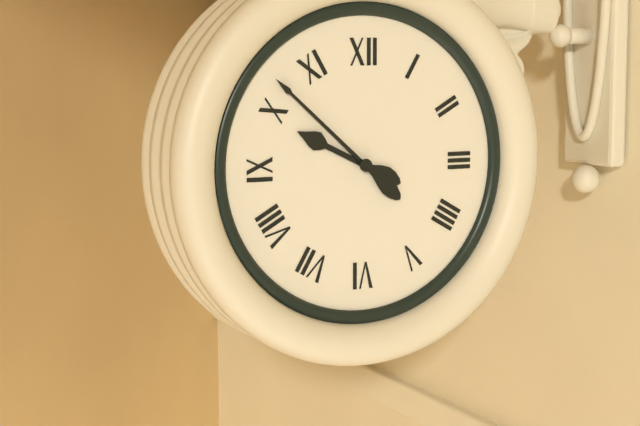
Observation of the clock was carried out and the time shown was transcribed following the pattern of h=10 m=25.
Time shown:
h=9 m=52
